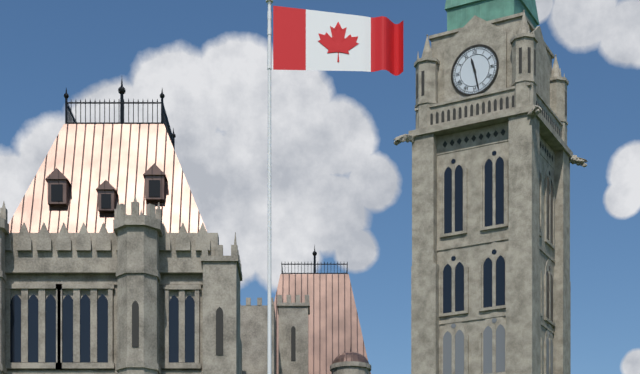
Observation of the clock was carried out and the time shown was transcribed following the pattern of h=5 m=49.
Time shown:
h=11 m=28
